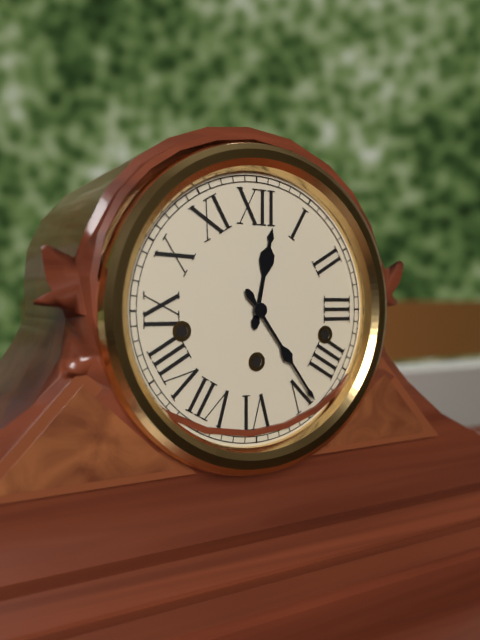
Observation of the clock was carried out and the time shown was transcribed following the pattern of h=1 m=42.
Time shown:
h=12 m=24
